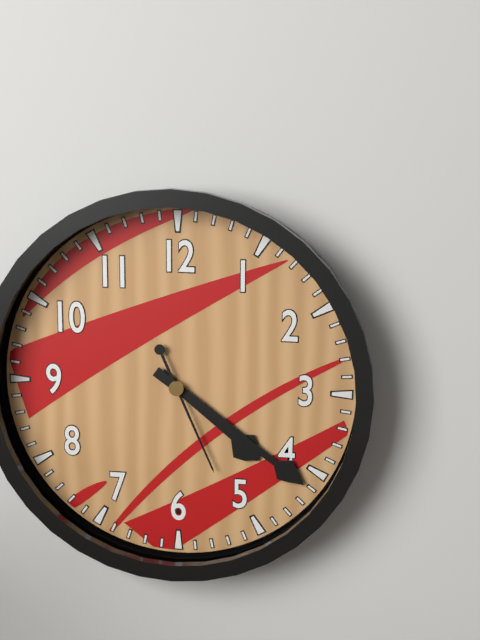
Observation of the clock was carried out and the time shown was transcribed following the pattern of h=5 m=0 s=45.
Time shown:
h=4 m=21 s=26
